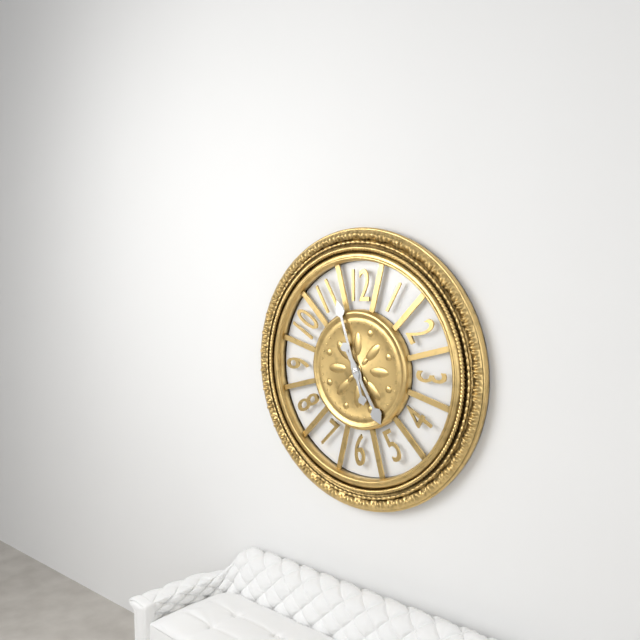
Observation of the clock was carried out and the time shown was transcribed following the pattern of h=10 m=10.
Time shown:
h=4 m=57
